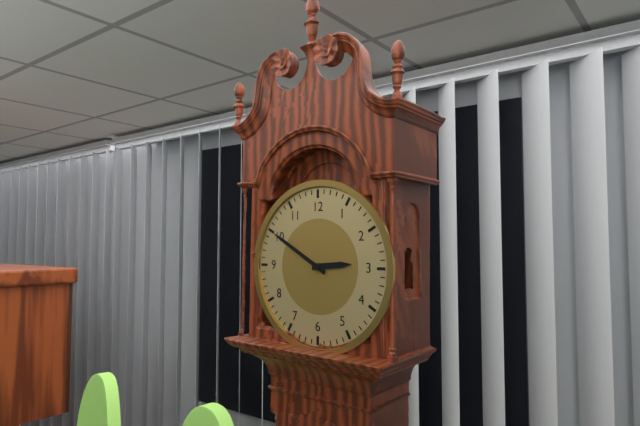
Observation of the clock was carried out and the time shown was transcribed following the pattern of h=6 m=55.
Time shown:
h=2 m=50
